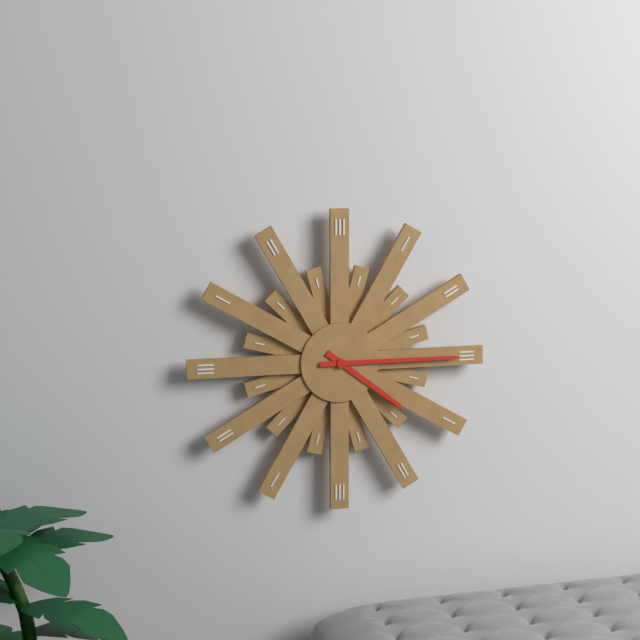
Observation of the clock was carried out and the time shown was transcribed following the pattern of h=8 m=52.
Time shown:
h=4 m=15
